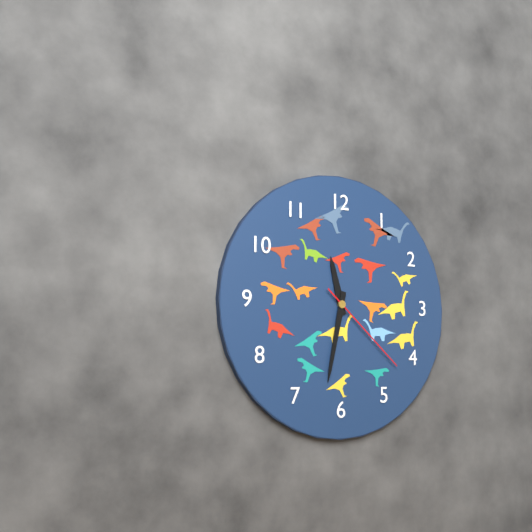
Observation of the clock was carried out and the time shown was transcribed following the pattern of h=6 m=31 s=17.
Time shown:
h=11 m=32 s=22
